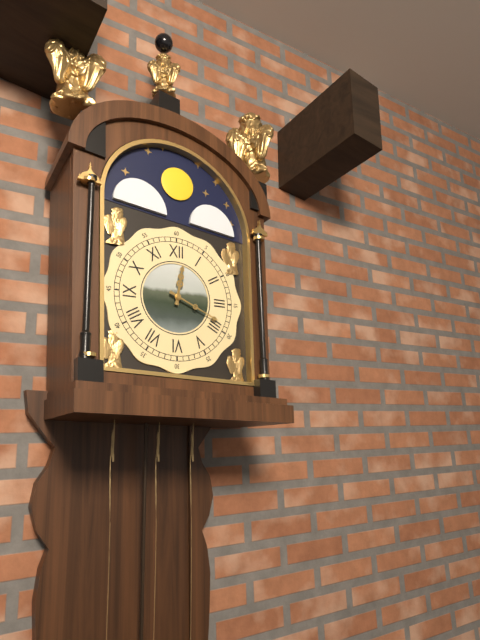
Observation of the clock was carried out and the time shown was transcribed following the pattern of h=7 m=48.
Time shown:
h=12 m=19
